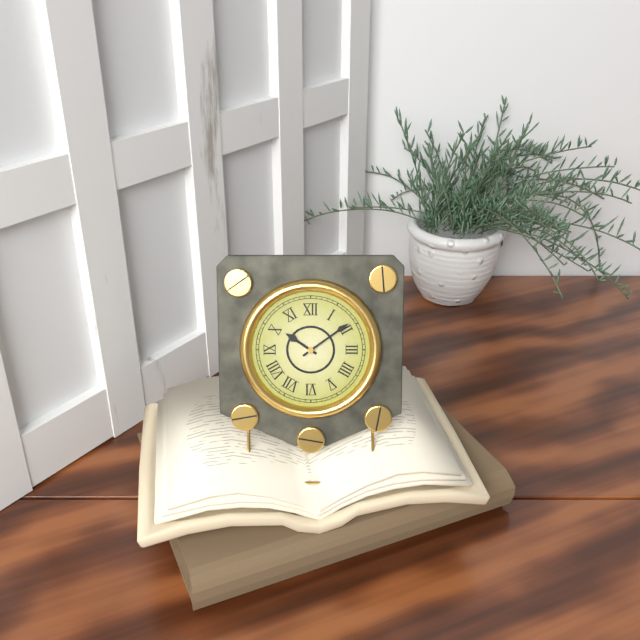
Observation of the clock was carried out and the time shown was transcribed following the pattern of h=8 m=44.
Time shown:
h=10 m=9
